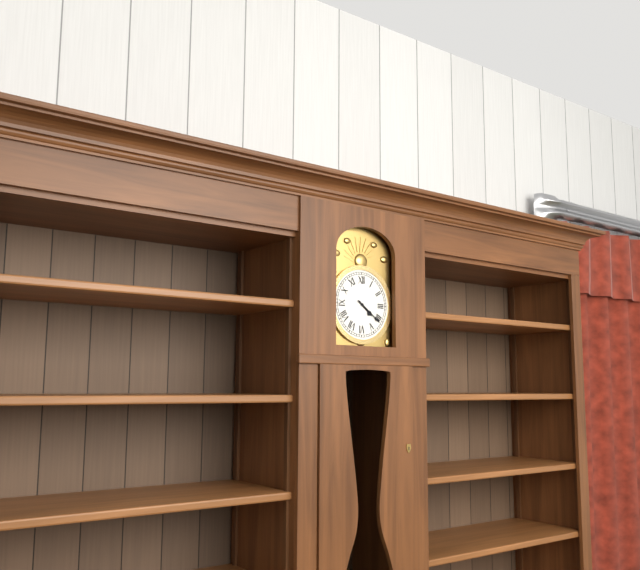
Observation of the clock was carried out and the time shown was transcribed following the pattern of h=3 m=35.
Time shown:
h=4 m=21
